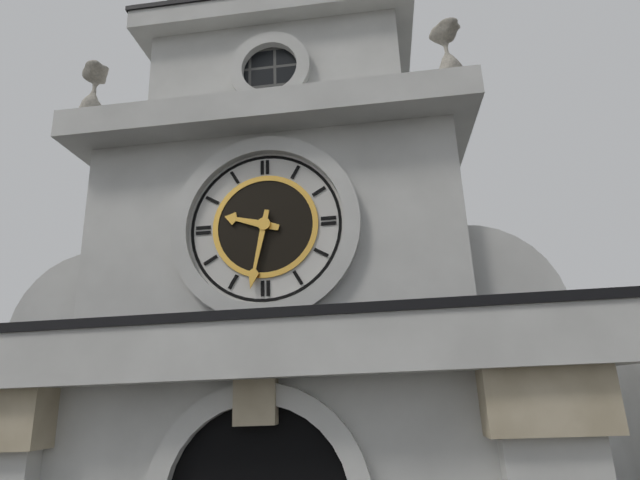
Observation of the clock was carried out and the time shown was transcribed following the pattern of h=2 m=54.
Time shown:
h=9 m=32
